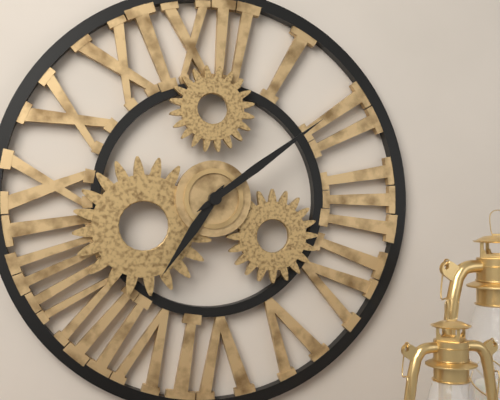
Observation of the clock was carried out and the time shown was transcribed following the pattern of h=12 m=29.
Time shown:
h=7 m=9
